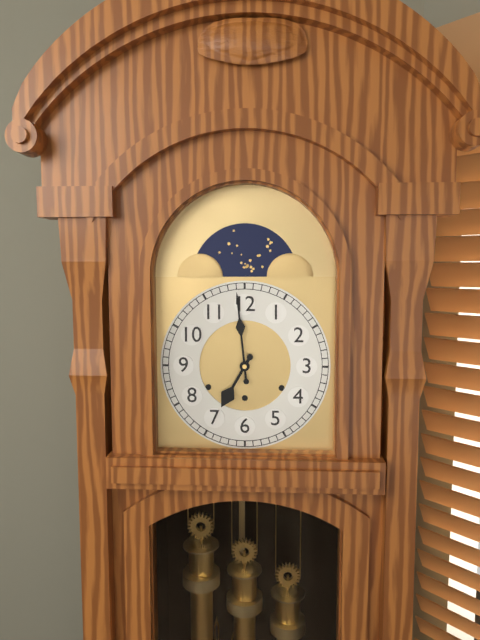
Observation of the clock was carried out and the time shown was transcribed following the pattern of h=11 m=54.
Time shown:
h=6 m=59
